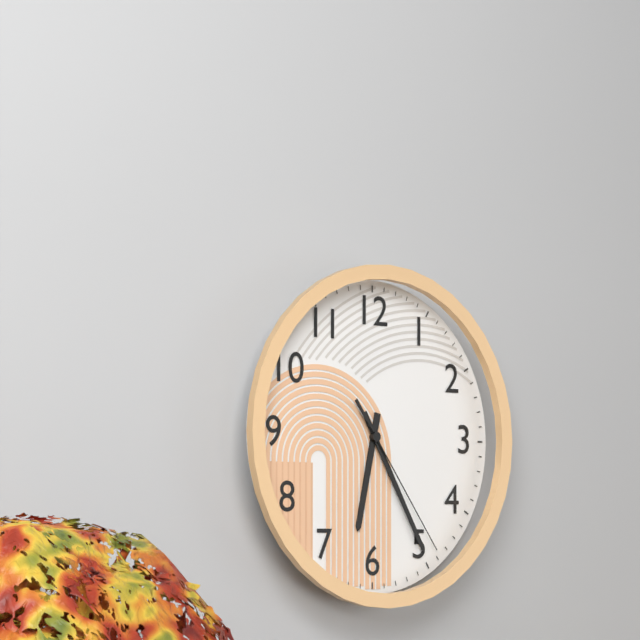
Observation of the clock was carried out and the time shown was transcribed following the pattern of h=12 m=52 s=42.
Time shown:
h=6 m=25 s=24
